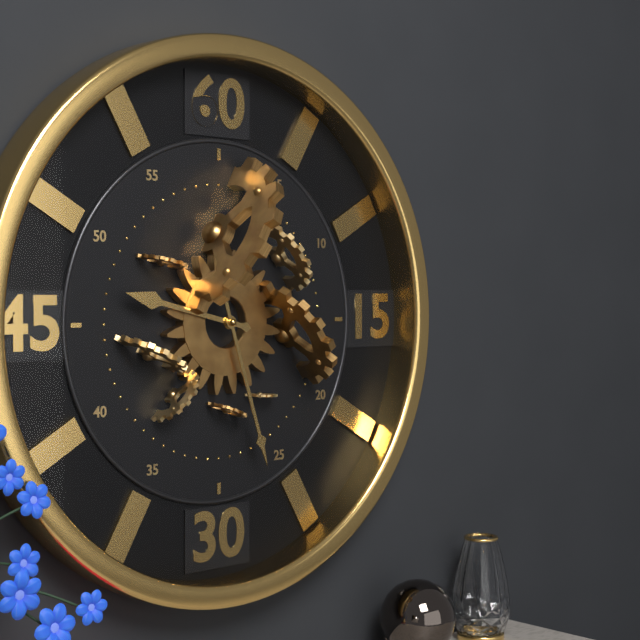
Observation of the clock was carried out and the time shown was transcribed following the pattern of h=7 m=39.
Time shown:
h=9 m=27
